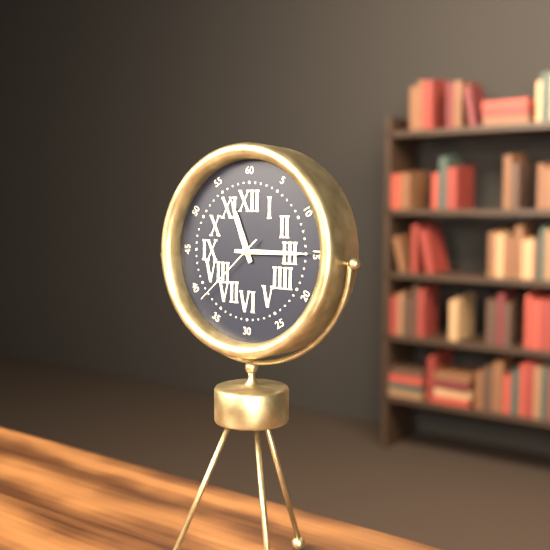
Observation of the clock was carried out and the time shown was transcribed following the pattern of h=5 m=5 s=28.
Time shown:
h=11 m=15 s=38
